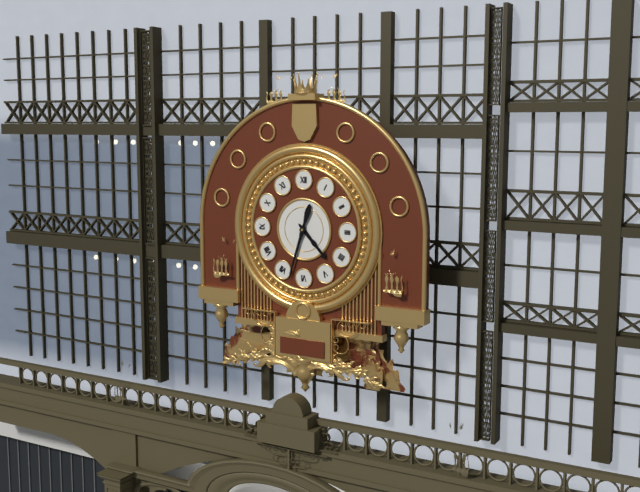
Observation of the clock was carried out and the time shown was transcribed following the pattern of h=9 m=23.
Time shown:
h=4 m=33
